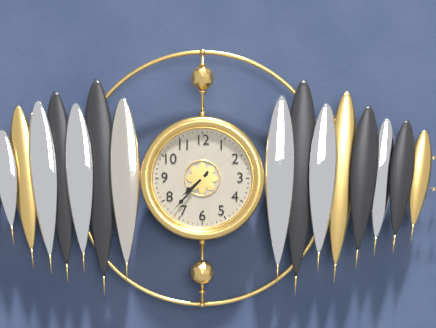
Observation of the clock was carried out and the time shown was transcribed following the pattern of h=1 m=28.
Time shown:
h=7 m=37
